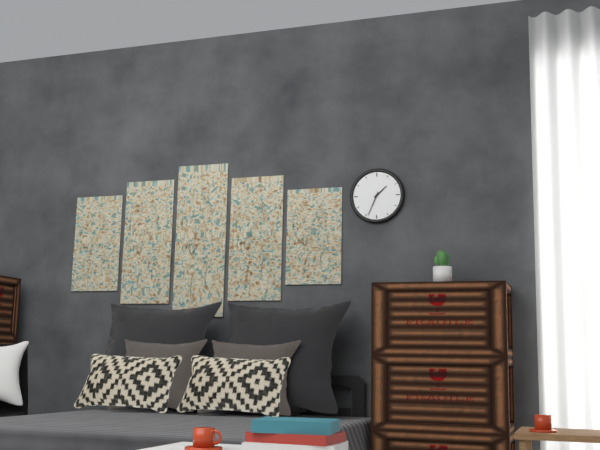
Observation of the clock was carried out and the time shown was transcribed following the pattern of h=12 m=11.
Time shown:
h=1 m=34
